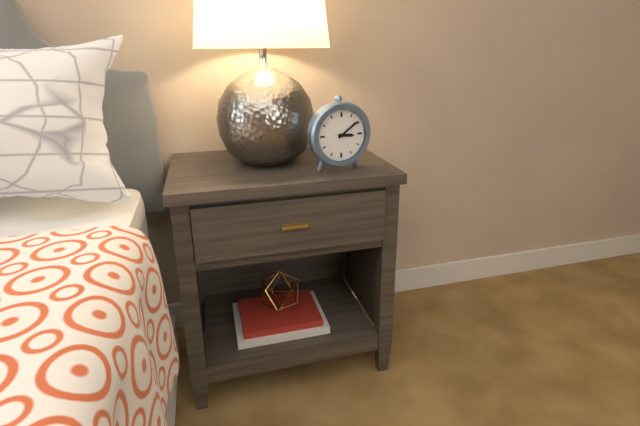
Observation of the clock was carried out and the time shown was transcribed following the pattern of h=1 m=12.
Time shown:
h=3 m=9
